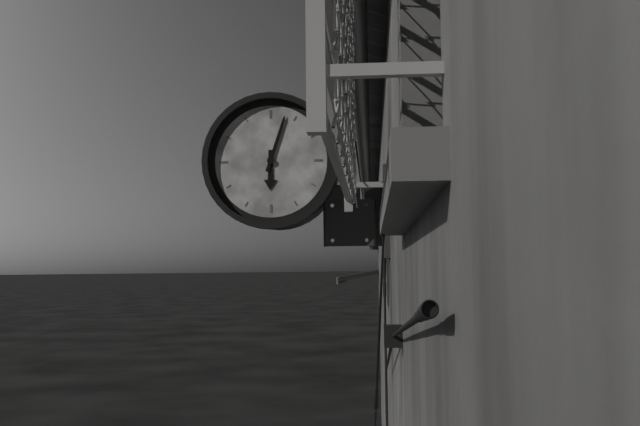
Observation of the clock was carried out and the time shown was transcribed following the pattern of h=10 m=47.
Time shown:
h=6 m=3
